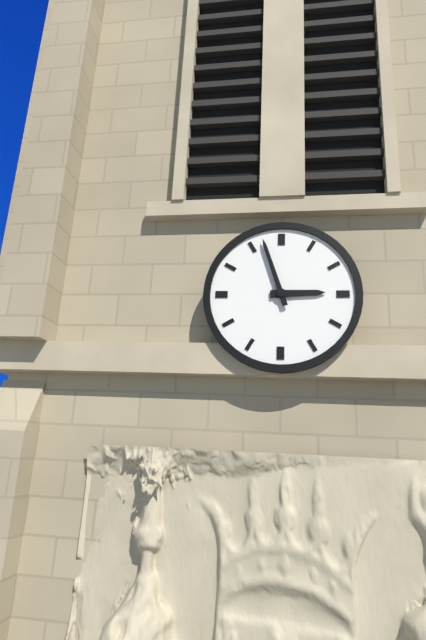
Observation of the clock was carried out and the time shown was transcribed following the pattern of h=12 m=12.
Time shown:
h=2 m=57
